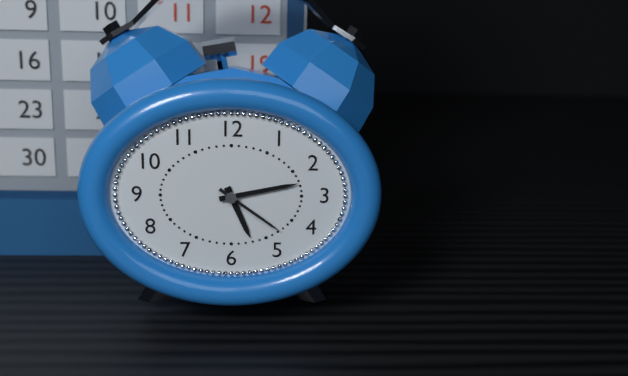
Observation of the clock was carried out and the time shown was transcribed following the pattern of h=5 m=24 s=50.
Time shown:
h=5 m=13 s=21
